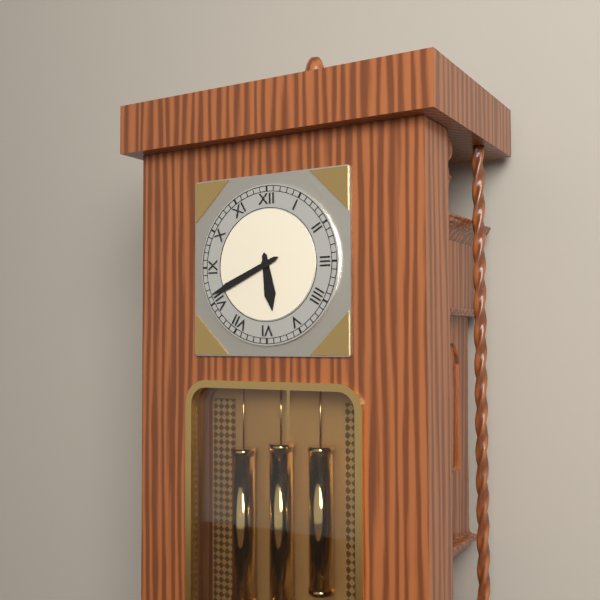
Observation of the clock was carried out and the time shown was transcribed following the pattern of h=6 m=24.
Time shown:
h=5 m=41
